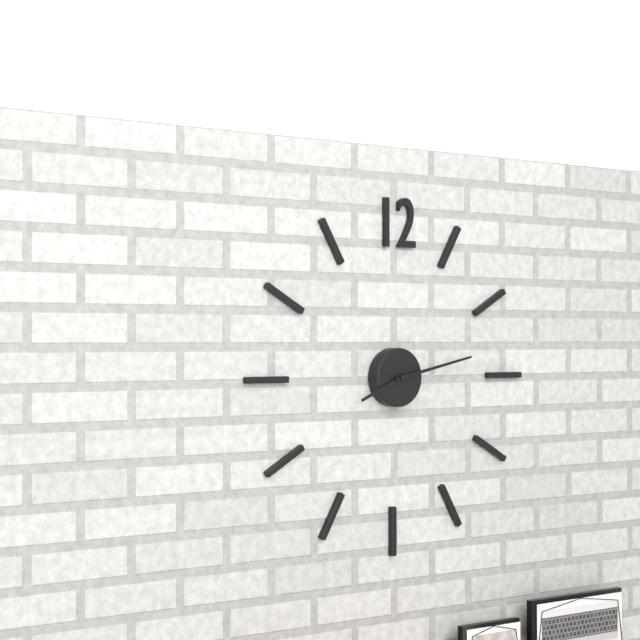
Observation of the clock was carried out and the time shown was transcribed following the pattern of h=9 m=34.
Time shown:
h=8 m=13
